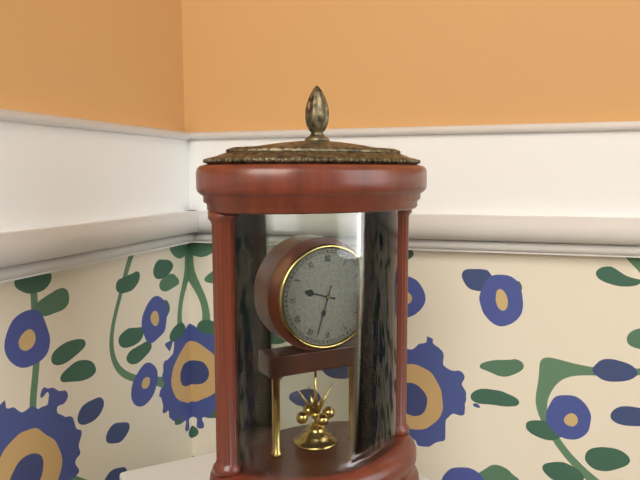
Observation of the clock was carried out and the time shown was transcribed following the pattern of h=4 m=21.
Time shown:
h=9 m=33
